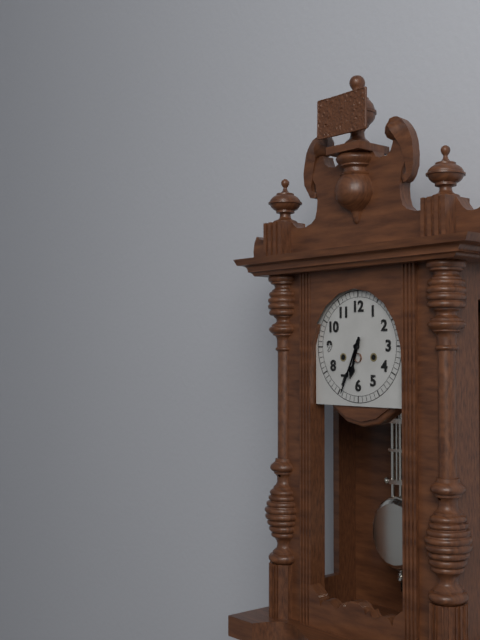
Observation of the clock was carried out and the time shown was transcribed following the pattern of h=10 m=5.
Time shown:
h=6 m=34
